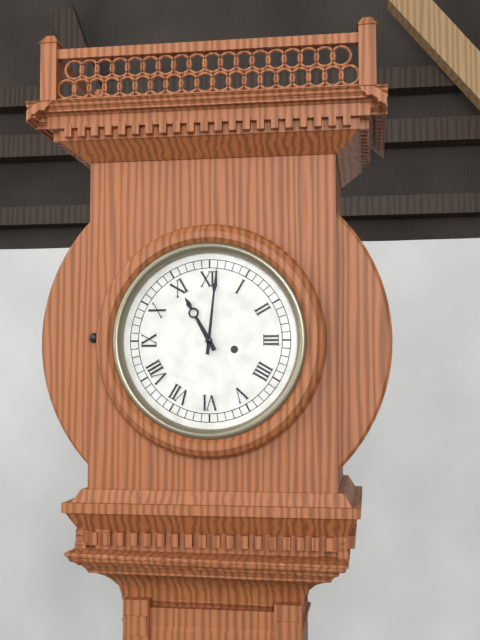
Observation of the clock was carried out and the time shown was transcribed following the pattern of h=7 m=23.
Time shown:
h=11 m=1
